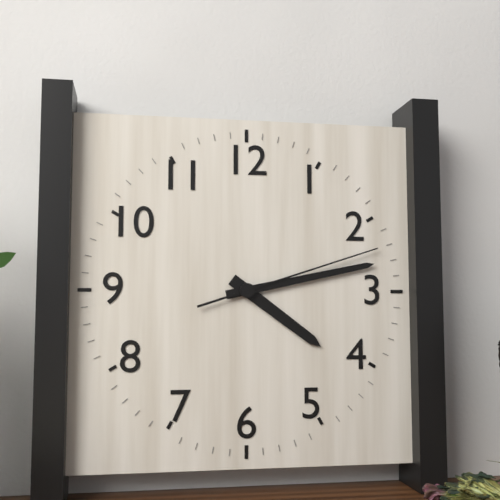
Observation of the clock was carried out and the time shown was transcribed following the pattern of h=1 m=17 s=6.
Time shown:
h=4 m=13 s=12
